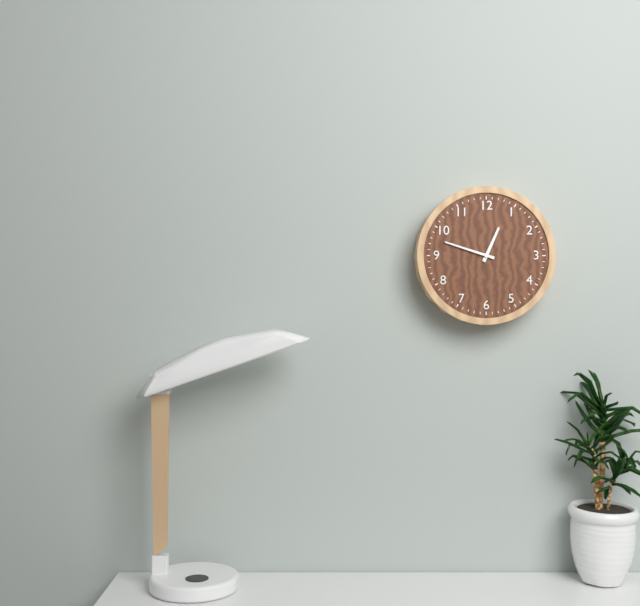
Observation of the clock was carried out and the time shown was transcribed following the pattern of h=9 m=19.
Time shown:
h=12 m=48
